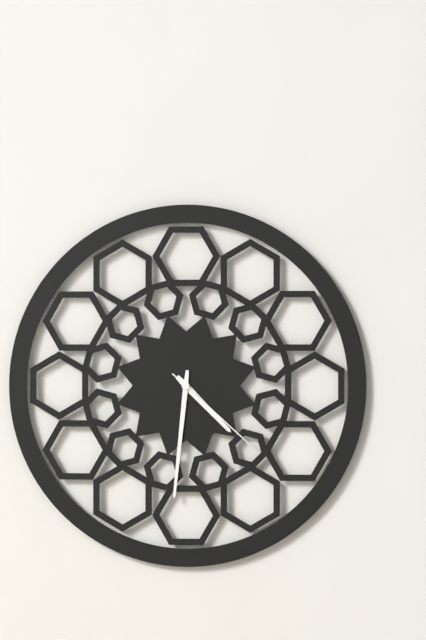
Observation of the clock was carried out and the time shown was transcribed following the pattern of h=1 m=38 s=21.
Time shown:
h=4 m=31 s=22
